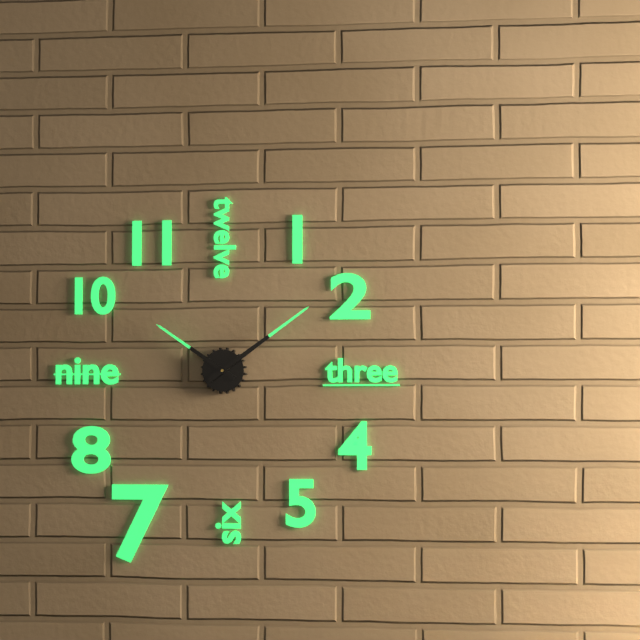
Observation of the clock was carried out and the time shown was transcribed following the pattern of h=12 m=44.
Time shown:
h=10 m=9
